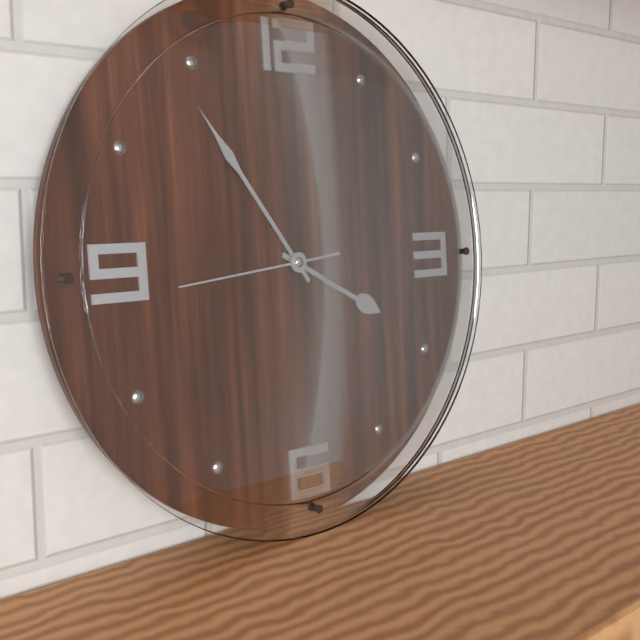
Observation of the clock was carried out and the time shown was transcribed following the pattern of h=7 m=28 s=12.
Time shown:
h=3 m=54 s=44
